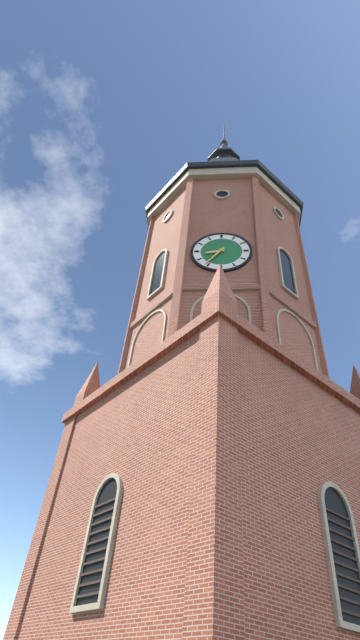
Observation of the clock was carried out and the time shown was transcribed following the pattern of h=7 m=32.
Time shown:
h=8 m=36
